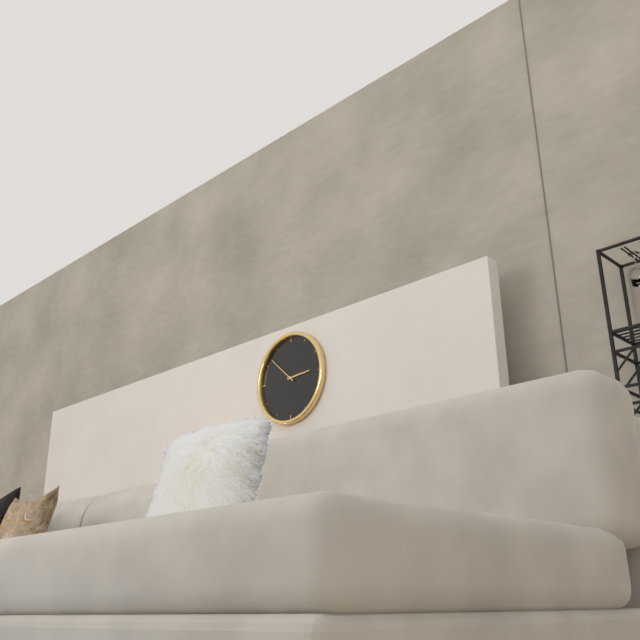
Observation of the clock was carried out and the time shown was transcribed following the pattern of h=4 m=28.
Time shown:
h=2 m=52
